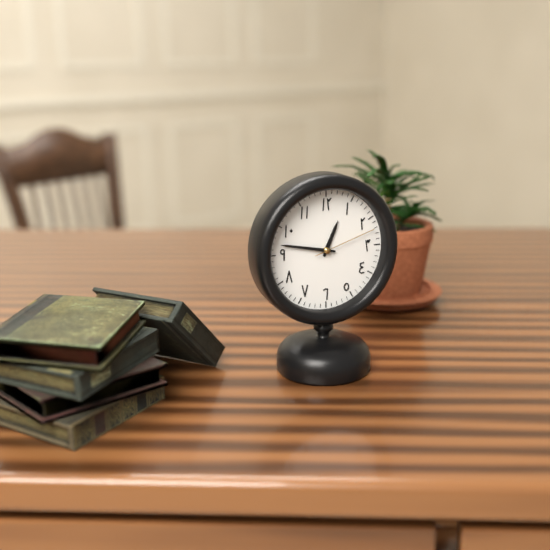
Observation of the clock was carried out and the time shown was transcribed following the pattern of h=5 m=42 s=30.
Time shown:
h=12 m=47 s=12
